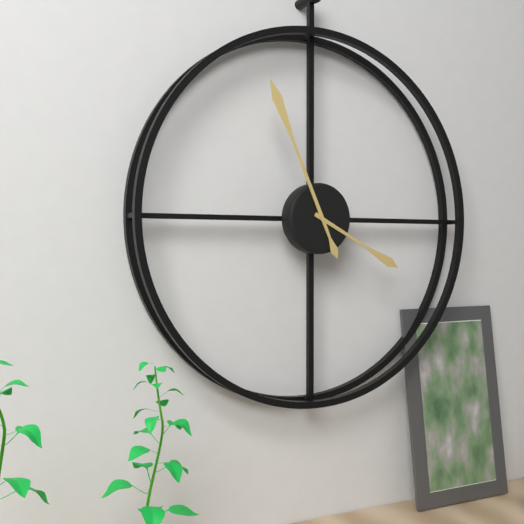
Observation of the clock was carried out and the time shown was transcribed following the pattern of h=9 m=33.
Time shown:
h=3 m=56
